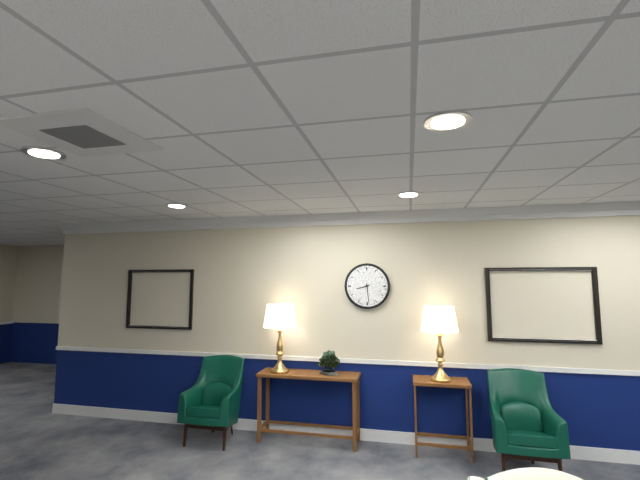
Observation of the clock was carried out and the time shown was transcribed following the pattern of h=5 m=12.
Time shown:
h=8 m=29
